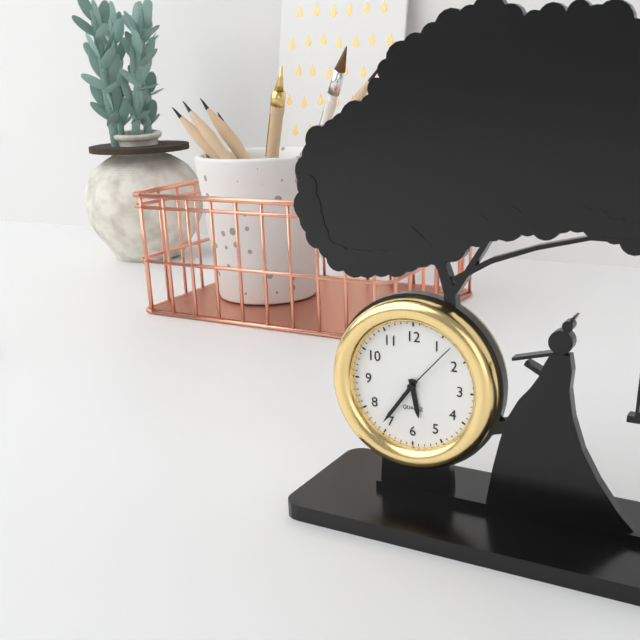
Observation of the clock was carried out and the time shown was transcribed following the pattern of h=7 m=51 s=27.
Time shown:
h=5 m=36 s=7
